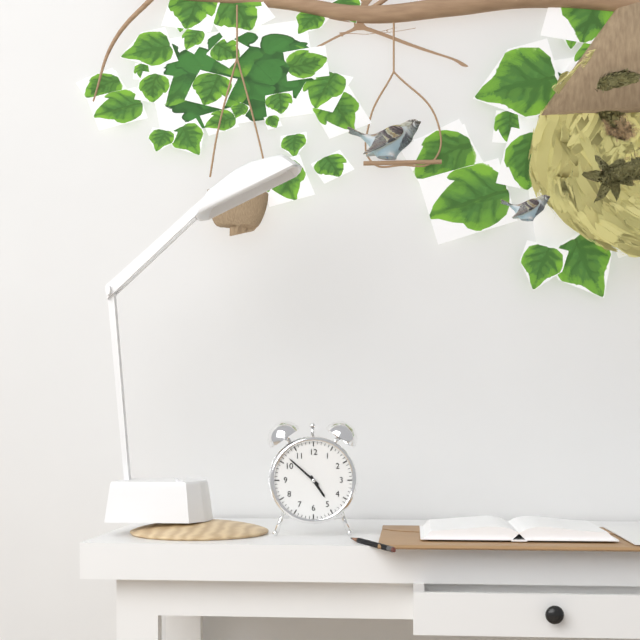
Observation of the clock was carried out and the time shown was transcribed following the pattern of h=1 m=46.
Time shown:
h=4 m=52
